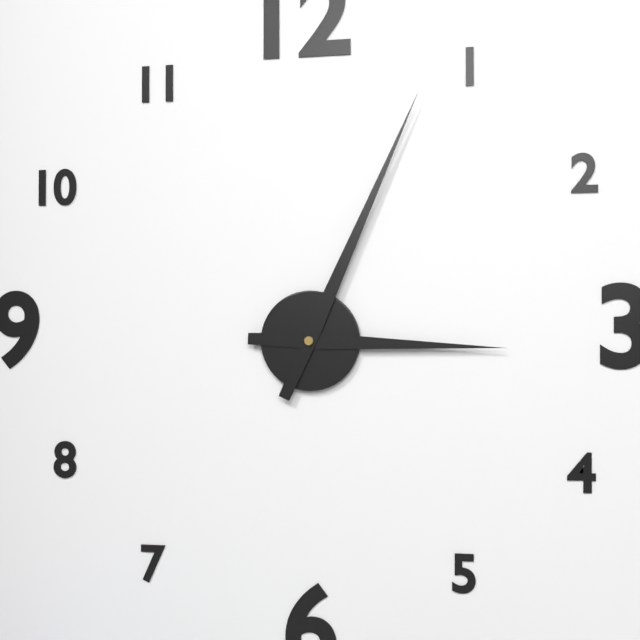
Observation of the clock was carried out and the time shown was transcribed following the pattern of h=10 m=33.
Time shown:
h=3 m=4
